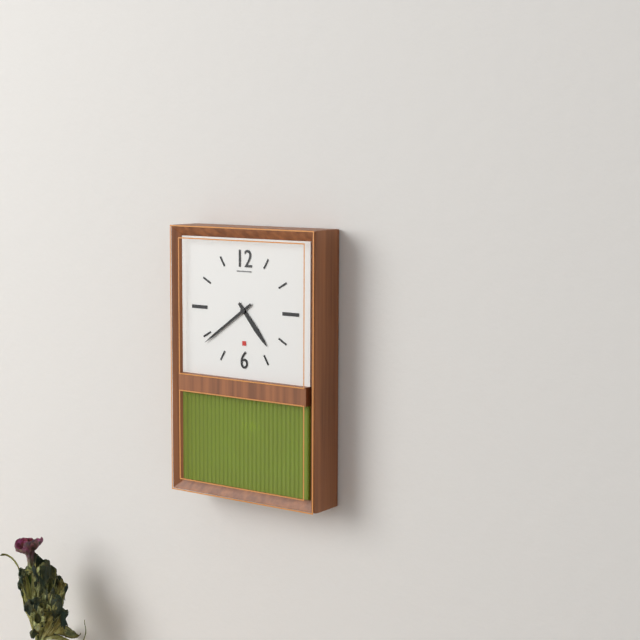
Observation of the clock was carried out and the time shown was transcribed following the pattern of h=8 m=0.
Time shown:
h=4 m=39
